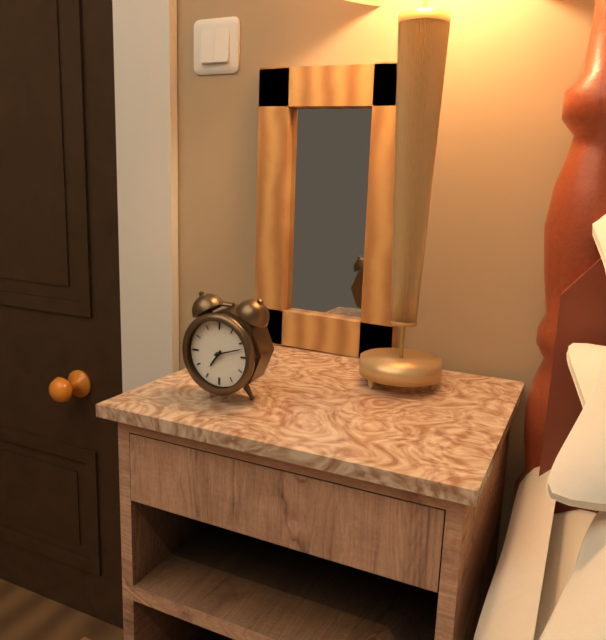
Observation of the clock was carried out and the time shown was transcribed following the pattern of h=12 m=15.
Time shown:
h=7 m=12
